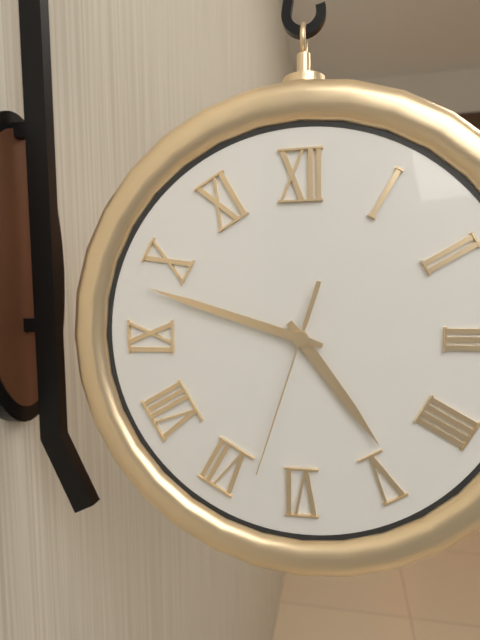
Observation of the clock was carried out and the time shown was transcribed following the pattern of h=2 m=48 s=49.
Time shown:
h=4 m=48 s=33
